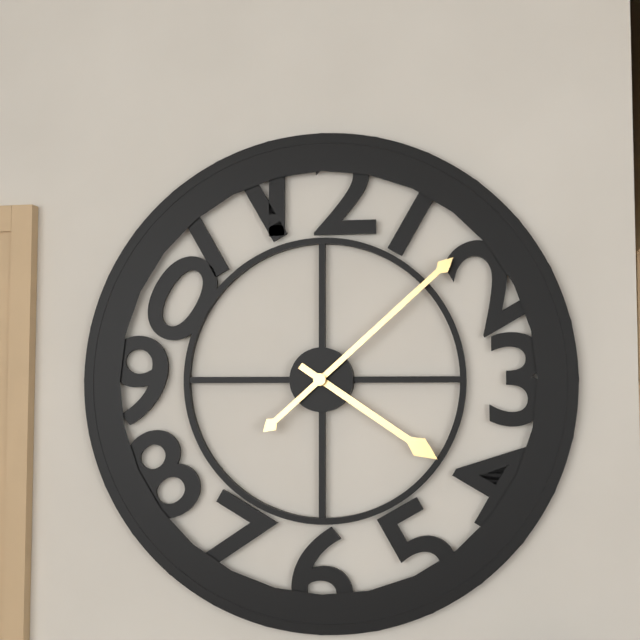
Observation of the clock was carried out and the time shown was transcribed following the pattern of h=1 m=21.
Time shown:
h=4 m=8
